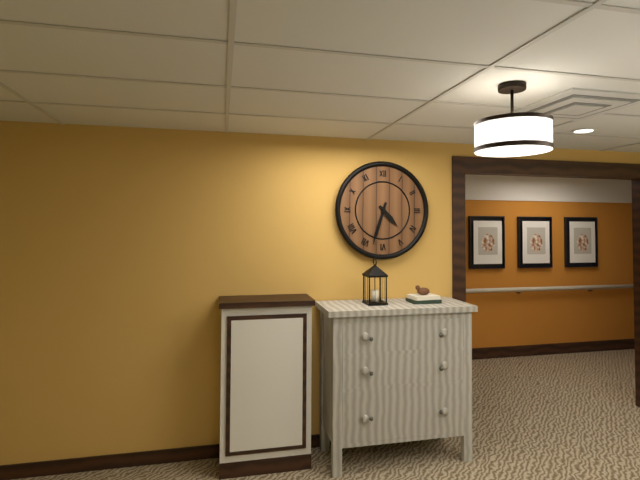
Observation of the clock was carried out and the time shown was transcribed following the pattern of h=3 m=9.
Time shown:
h=4 m=33
